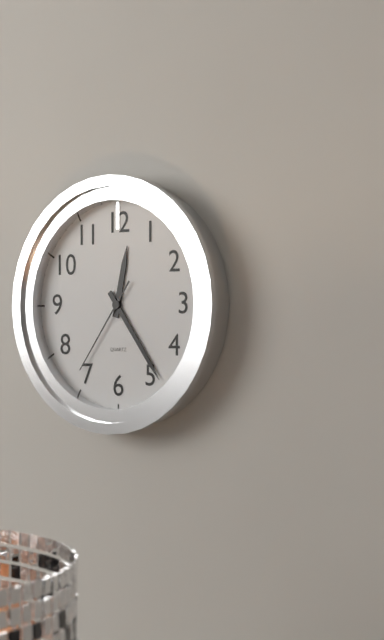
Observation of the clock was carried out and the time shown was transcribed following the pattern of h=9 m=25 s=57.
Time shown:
h=12 m=24 s=36
